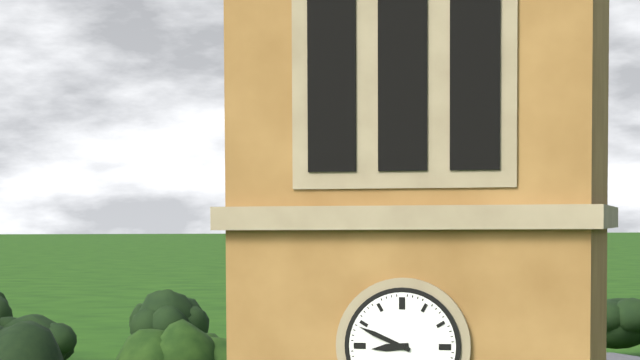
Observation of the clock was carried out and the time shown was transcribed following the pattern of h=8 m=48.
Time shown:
h=8 m=49
